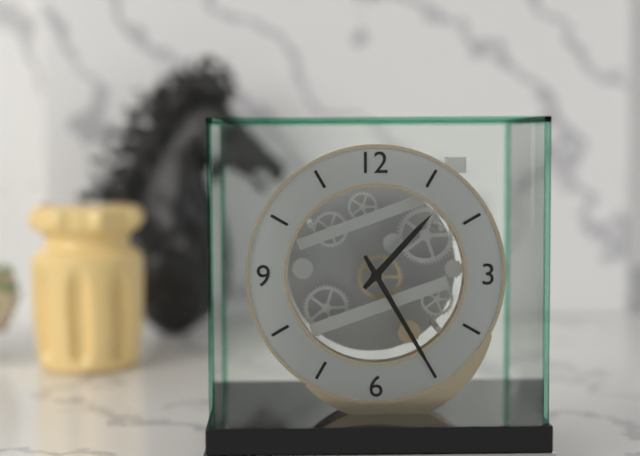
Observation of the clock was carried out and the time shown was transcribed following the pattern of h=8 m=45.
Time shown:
h=1 m=25
